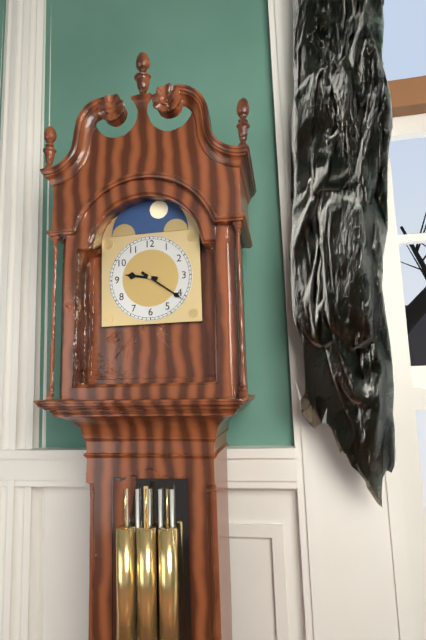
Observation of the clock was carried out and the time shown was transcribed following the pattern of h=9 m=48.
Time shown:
h=9 m=21
